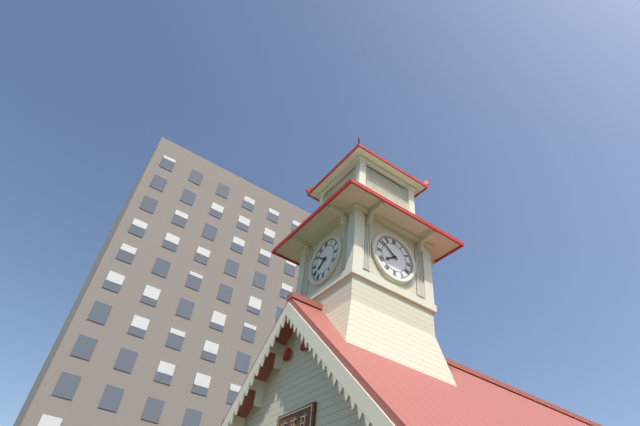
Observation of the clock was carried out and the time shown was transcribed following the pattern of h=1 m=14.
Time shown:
h=7 m=51
